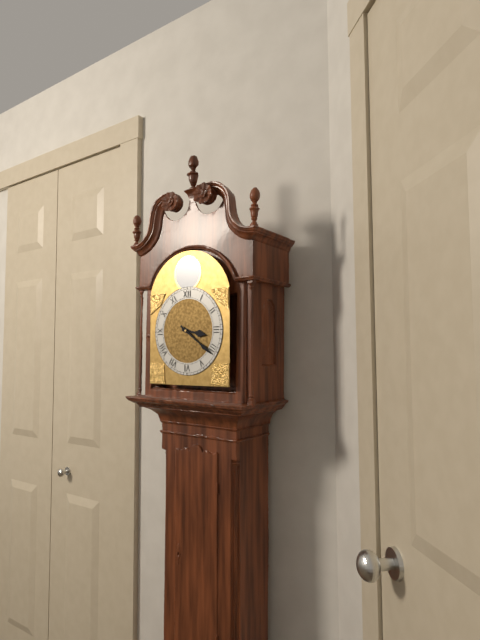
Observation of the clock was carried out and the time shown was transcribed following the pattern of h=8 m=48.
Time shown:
h=3 m=21
